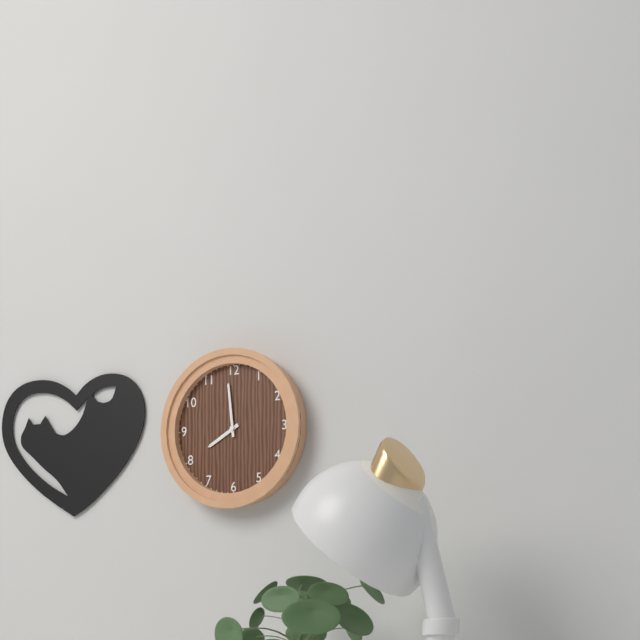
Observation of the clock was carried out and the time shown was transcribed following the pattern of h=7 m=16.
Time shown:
h=7 m=59
